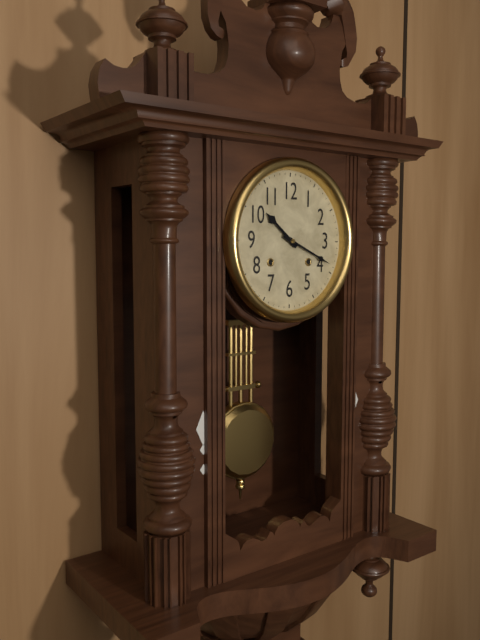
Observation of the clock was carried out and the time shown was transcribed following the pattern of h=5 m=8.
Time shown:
h=10 m=19
